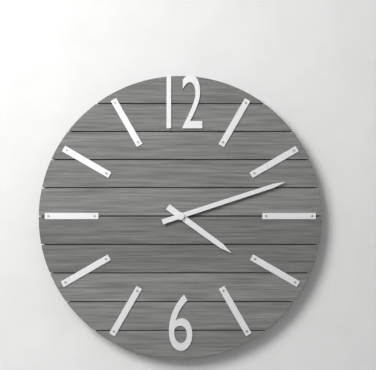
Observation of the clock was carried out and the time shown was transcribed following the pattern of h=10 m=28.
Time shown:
h=4 m=12
